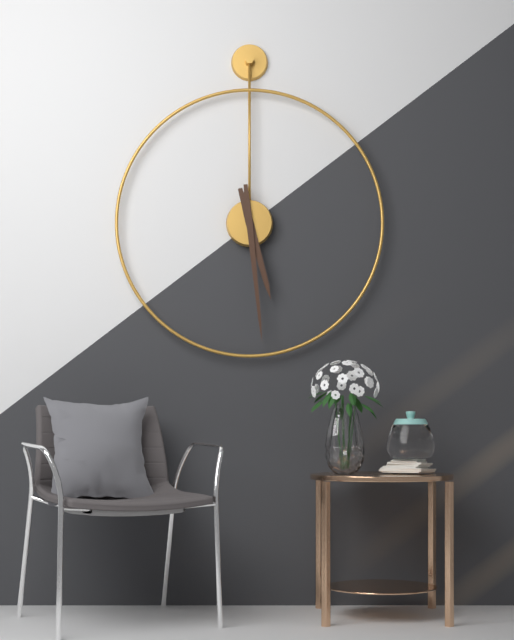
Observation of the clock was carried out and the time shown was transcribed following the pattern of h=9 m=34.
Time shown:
h=5 m=29
